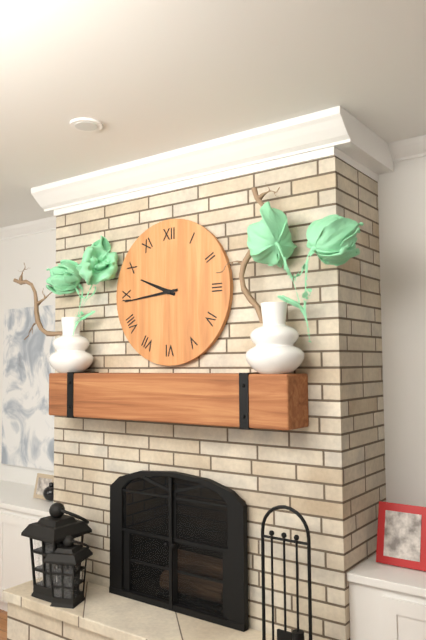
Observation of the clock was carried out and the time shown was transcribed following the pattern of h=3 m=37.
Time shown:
h=9 m=44
